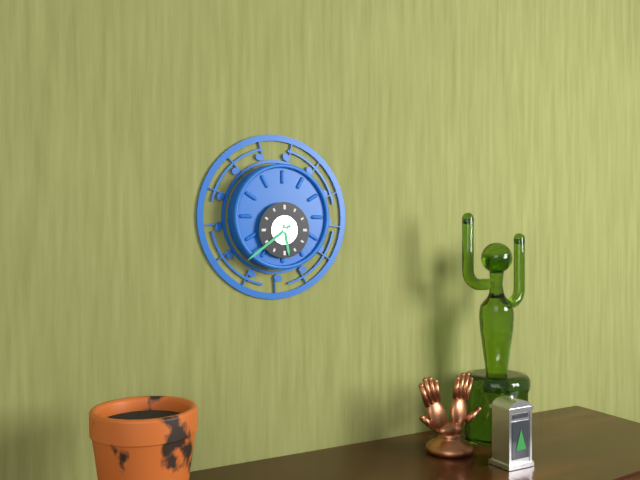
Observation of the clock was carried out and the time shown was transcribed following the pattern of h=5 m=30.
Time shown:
h=5 m=39
